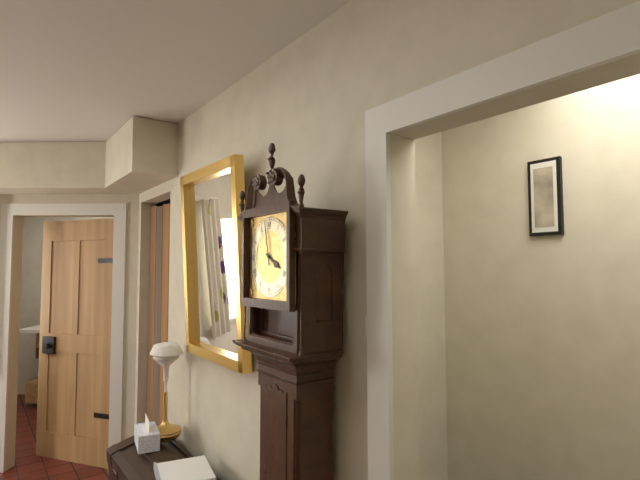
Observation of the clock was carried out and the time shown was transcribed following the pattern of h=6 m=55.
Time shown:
h=3 m=58
